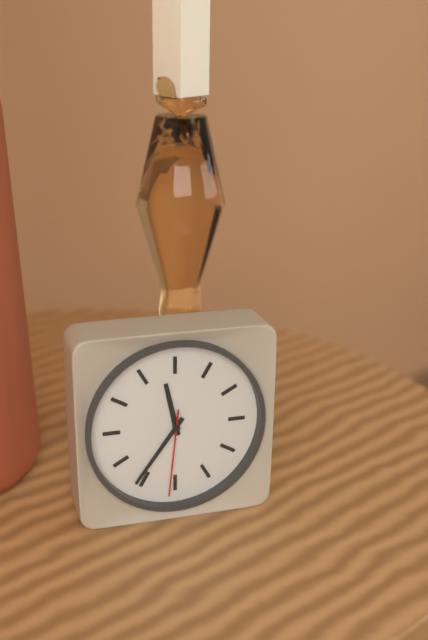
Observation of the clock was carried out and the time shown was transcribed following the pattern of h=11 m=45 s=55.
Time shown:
h=11 m=36 s=31
